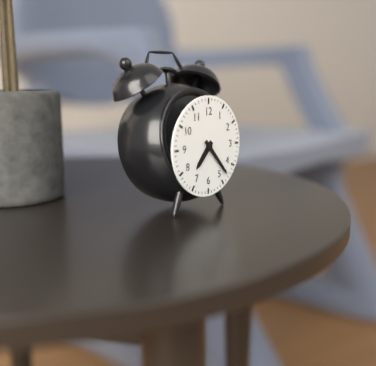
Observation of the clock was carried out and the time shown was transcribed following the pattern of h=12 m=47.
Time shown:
h=7 m=23
